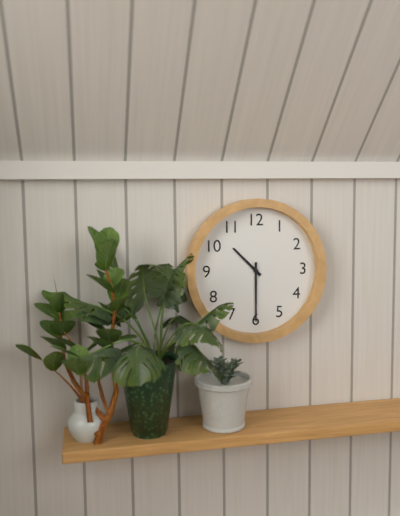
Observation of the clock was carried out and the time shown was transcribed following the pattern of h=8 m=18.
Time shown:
h=10 m=30
